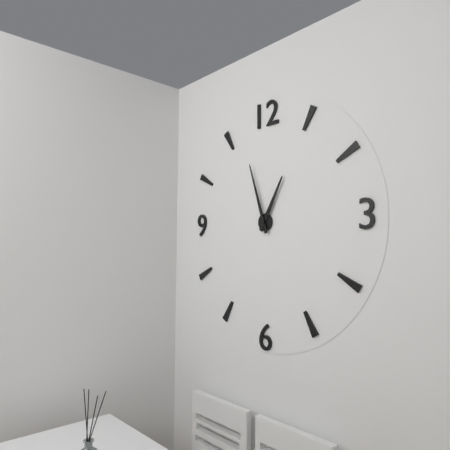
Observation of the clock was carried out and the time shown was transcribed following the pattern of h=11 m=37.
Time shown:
h=12 m=57
